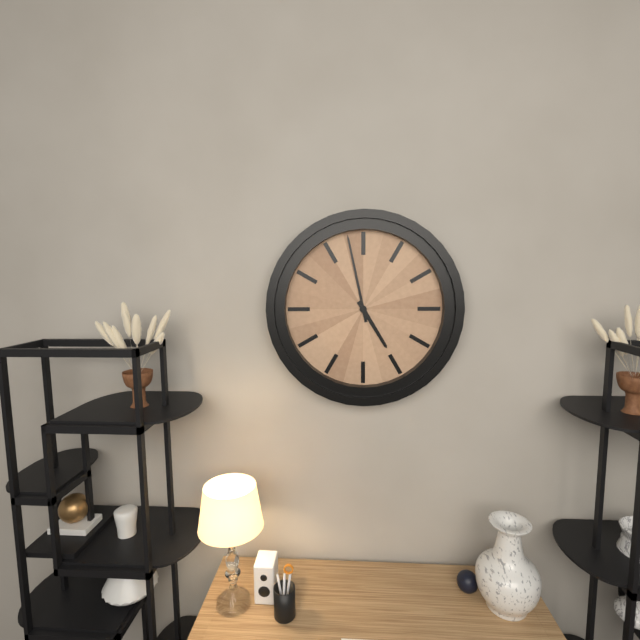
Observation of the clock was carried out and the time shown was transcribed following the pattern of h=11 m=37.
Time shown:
h=4 m=58
